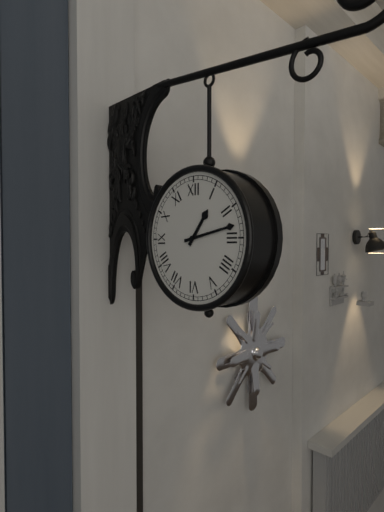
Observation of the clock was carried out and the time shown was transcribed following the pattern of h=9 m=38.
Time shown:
h=1 m=13
